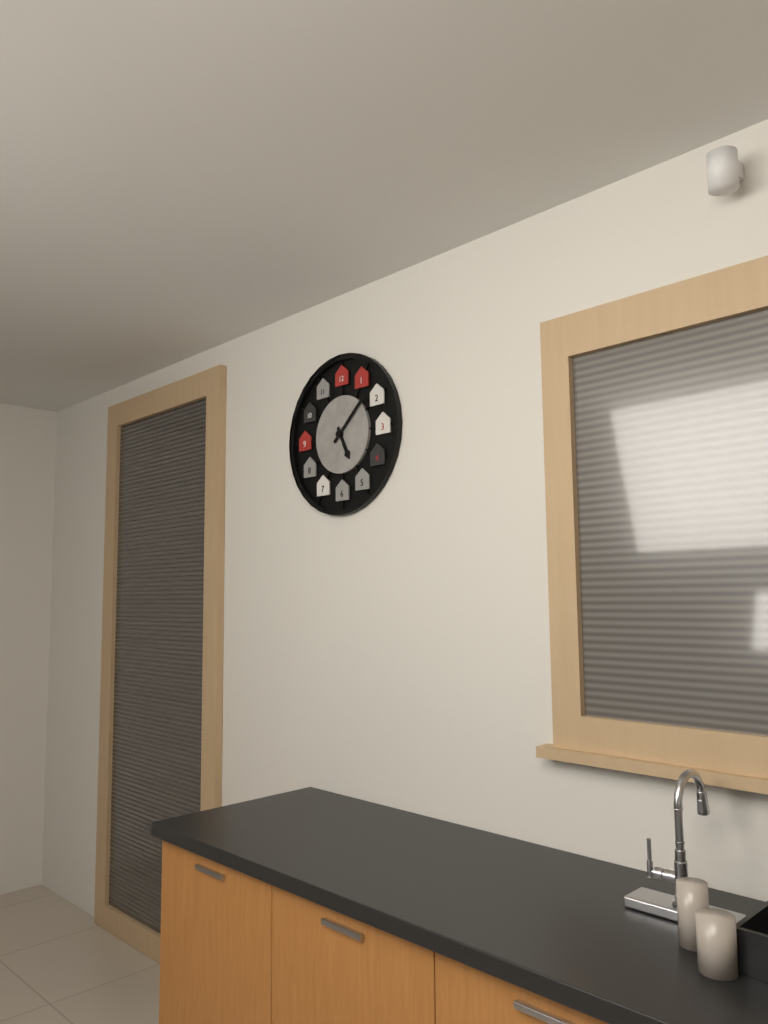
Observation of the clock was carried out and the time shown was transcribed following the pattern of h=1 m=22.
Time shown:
h=5 m=8
